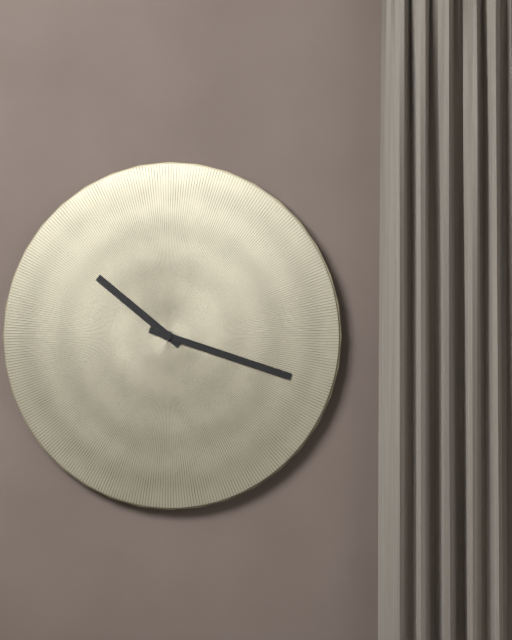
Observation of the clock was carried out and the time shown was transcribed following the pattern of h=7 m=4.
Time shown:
h=10 m=18
